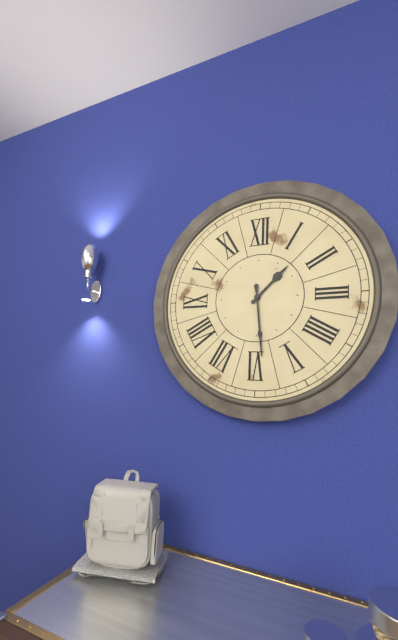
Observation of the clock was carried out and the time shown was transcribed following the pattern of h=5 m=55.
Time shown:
h=1 m=29
